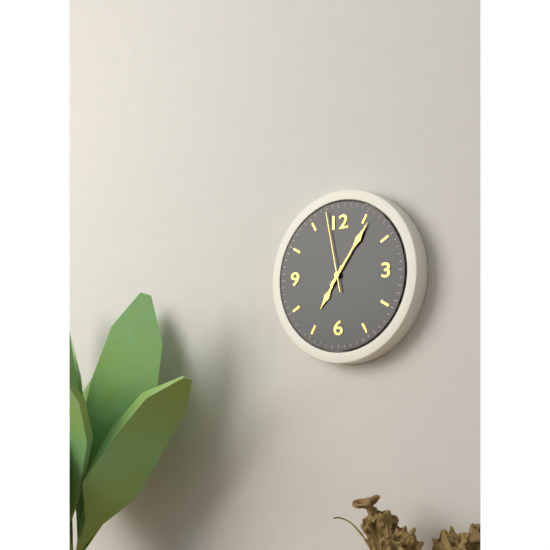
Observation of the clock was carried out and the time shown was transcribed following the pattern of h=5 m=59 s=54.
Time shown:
h=7 m=6 s=58
